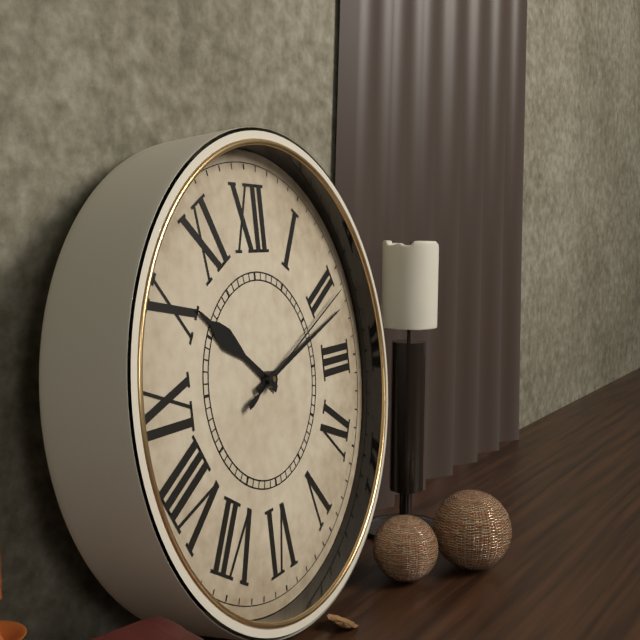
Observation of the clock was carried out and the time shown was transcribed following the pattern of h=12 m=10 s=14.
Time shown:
h=10 m=12 s=11
